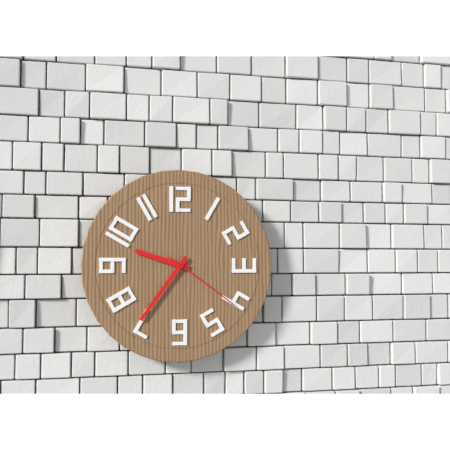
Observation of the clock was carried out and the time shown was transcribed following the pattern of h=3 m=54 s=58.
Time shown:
h=9 m=36 s=21
